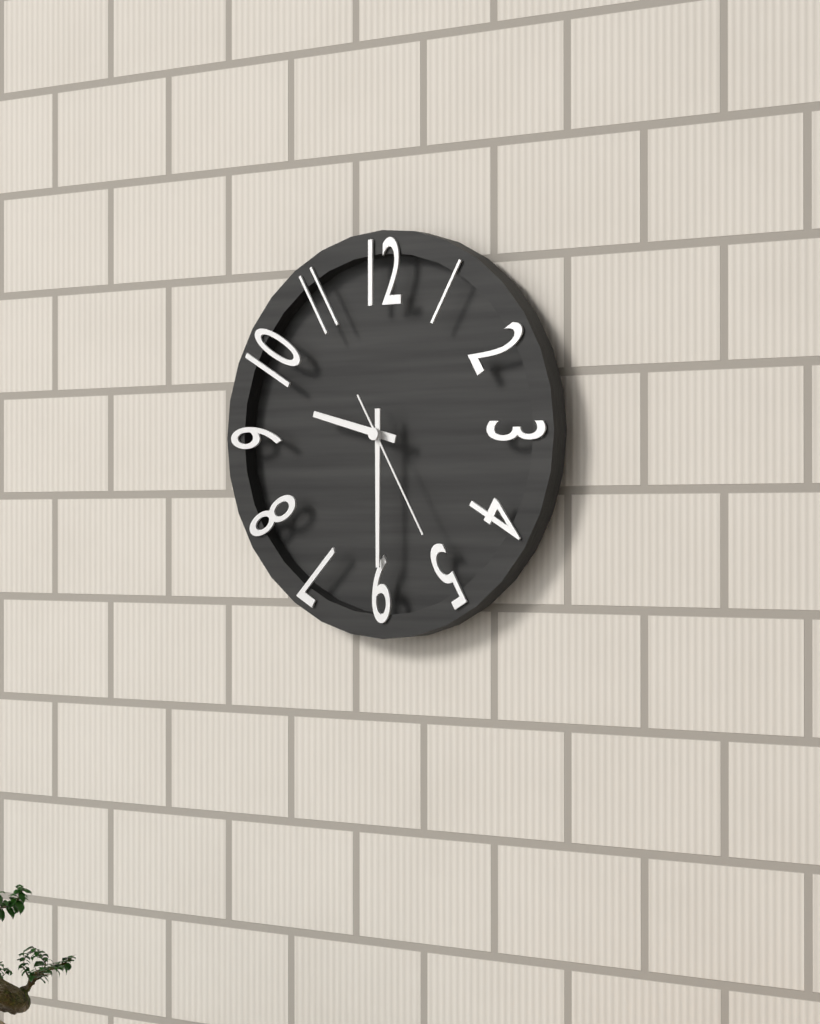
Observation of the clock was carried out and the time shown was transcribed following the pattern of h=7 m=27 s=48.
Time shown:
h=9 m=30 s=25
